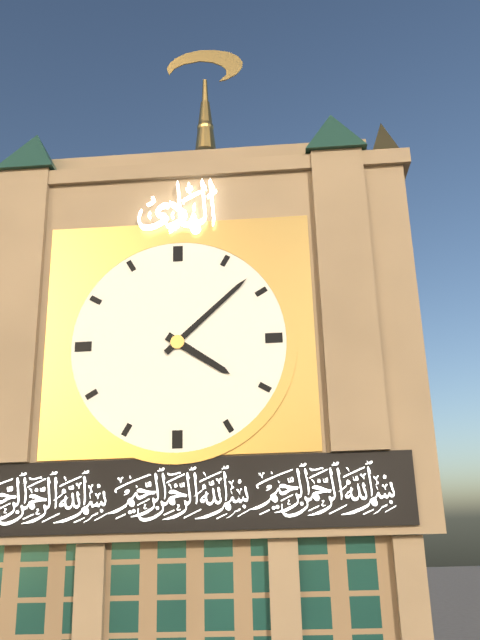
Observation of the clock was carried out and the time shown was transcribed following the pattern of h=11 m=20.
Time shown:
h=4 m=8
